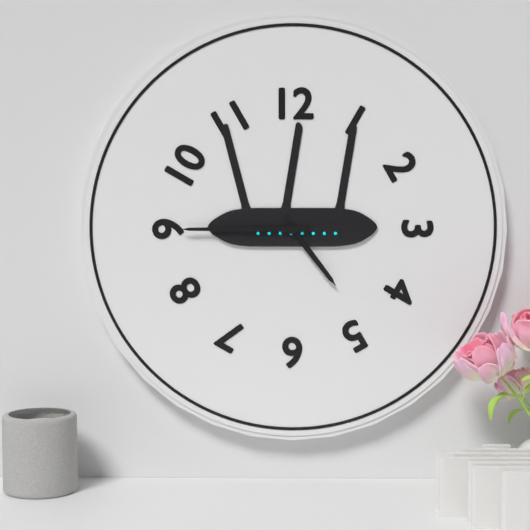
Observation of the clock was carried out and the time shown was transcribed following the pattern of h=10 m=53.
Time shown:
h=4 m=45
